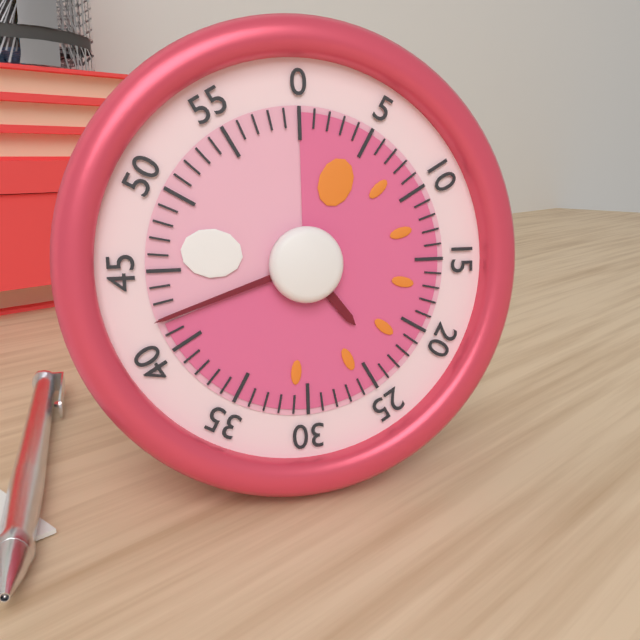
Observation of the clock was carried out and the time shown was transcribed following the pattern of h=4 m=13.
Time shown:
h=4 m=42
